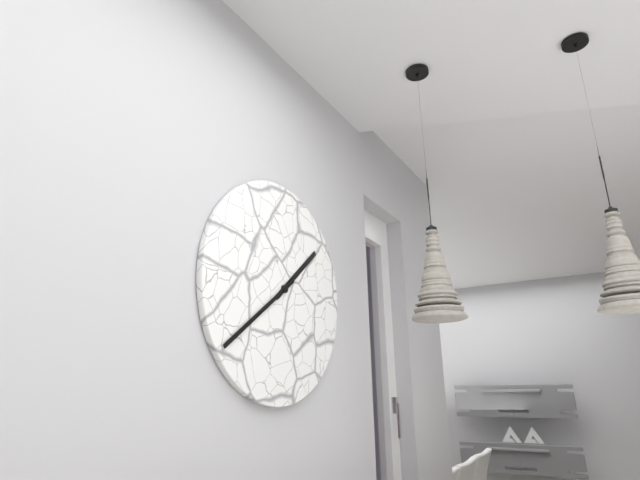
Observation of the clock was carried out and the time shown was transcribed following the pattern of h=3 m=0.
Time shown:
h=1 m=39
